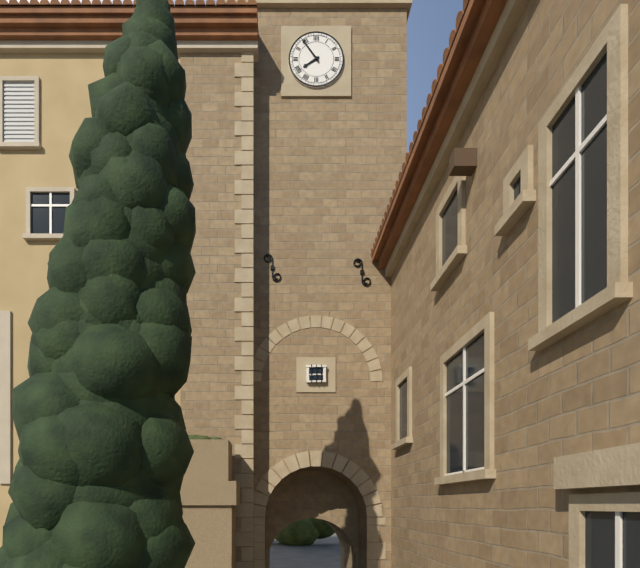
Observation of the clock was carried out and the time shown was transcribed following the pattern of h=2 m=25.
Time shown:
h=7 m=54
